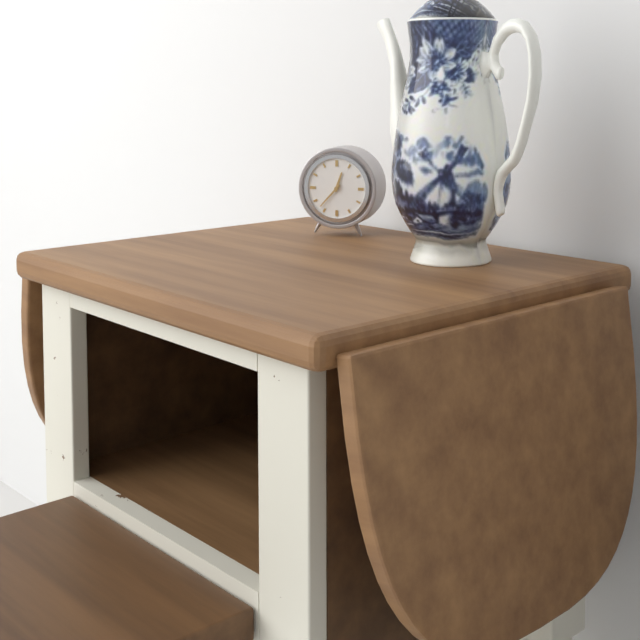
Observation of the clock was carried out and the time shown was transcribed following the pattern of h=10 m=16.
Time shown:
h=12 m=37
